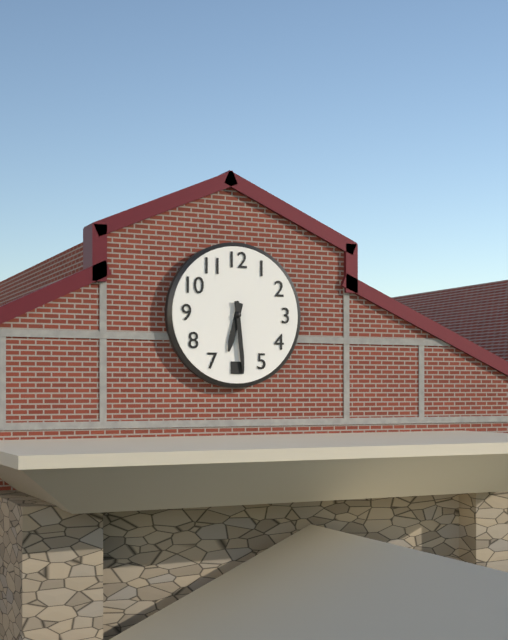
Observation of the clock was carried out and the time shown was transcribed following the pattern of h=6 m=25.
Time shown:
h=6 m=29
